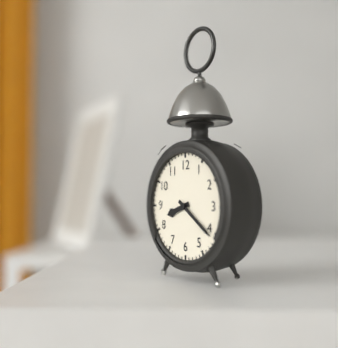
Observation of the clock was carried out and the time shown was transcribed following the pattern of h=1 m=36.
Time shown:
h=8 m=21
